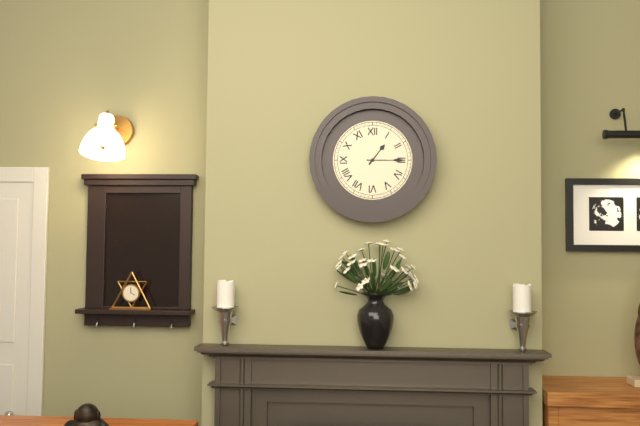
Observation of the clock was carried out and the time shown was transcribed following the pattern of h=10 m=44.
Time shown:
h=1 m=15
